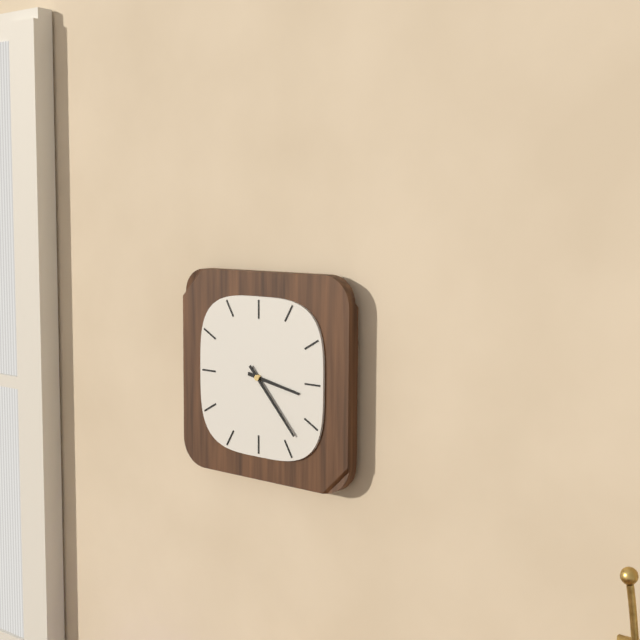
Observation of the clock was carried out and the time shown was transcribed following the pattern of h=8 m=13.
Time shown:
h=3 m=23
